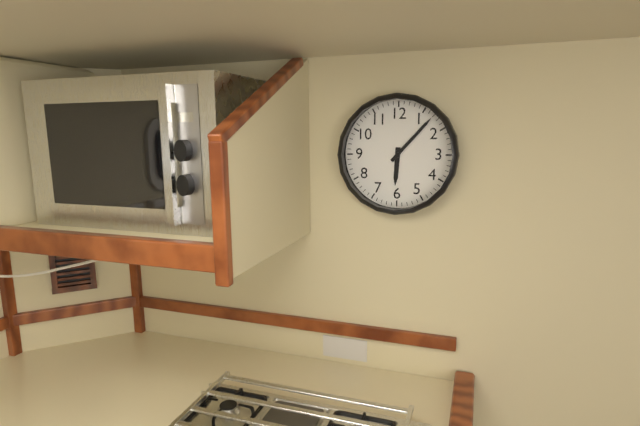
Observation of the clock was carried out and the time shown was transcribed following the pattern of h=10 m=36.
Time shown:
h=6 m=7
